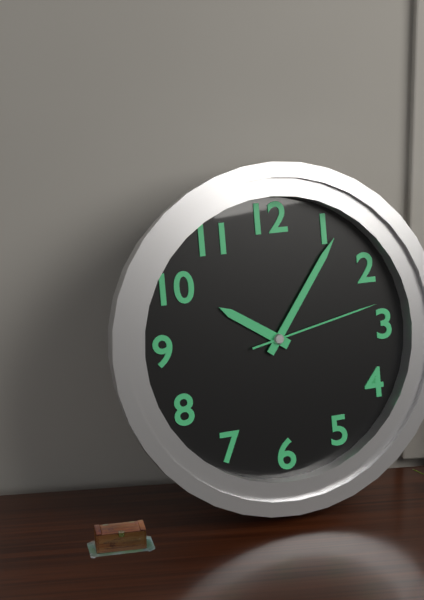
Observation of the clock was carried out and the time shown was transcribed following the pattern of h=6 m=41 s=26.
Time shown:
h=10 m=6 s=13
